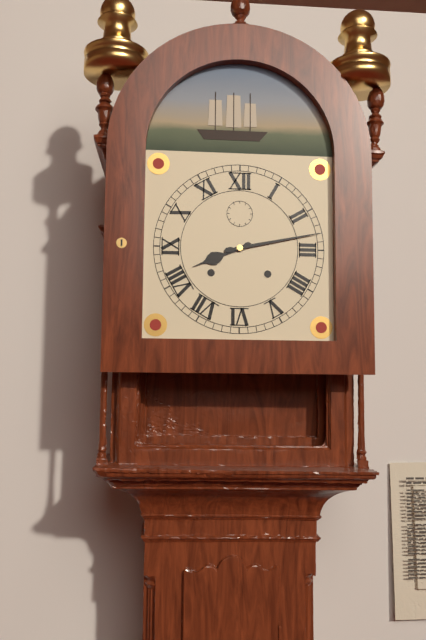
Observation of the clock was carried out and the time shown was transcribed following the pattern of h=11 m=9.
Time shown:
h=8 m=13
